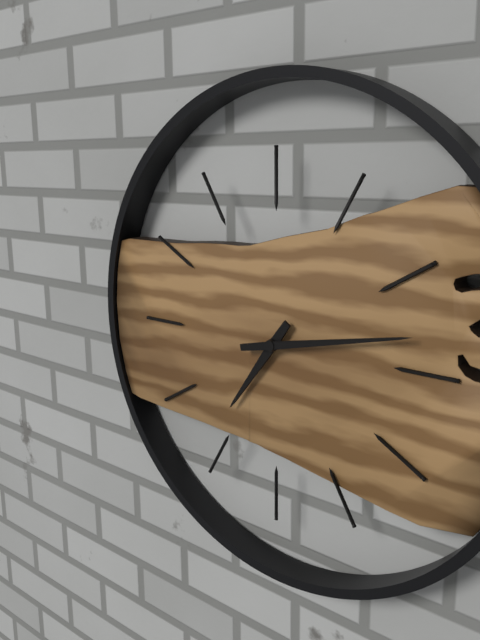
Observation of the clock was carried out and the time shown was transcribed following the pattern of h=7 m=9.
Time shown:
h=7 m=13
